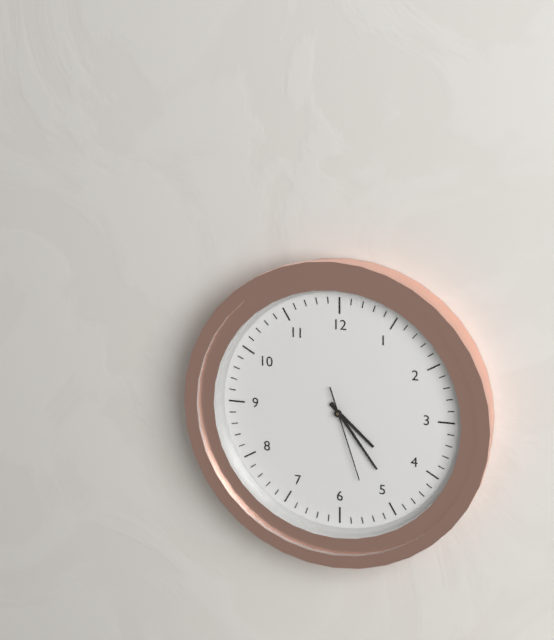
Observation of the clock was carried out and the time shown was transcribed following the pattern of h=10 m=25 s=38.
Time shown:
h=4 m=24 s=27
